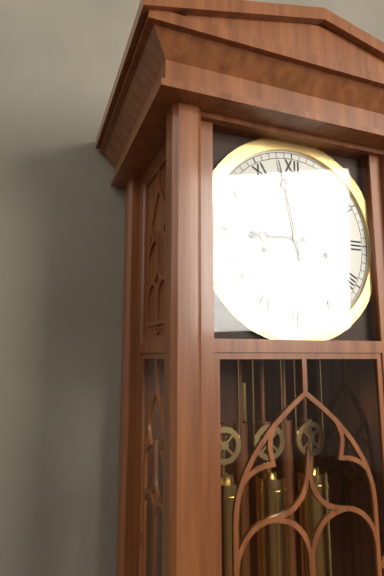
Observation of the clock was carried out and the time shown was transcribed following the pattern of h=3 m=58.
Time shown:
h=8 m=58
